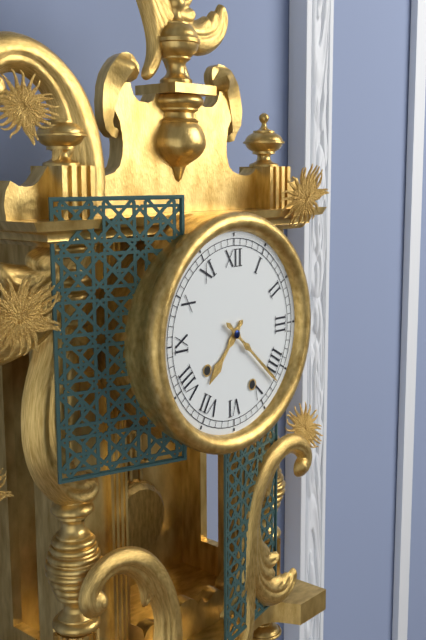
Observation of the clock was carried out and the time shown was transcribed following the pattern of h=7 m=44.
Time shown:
h=7 m=22
